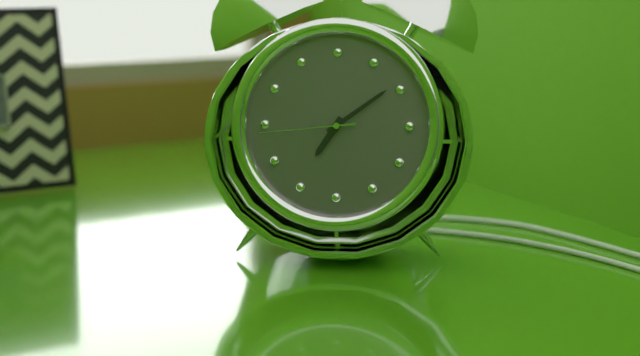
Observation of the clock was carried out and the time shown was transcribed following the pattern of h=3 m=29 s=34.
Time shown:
h=7 m=9 s=44
